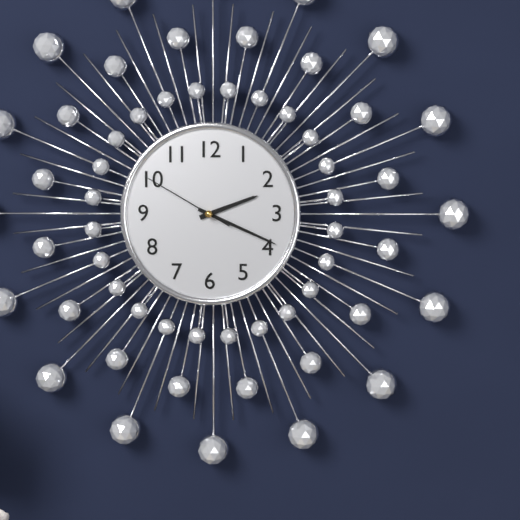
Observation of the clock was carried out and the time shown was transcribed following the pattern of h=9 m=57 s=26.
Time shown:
h=2 m=19 s=50
